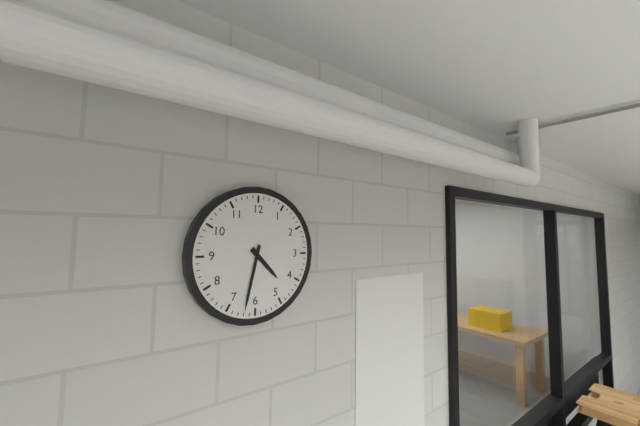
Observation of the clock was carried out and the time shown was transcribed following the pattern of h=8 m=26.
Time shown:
h=4 m=32
